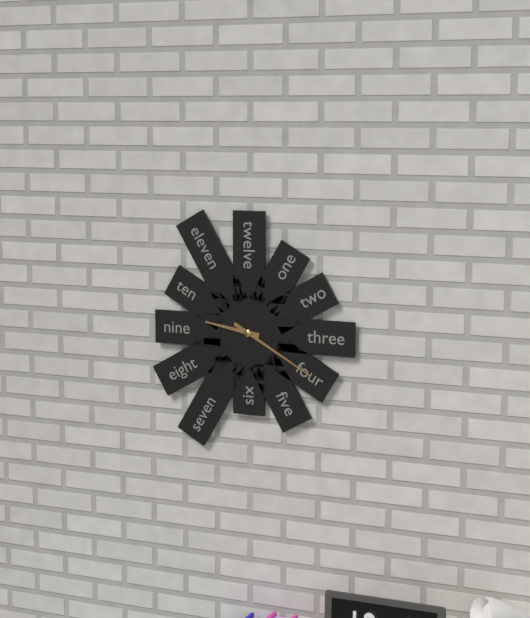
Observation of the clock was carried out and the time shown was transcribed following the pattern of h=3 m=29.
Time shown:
h=9 m=20
